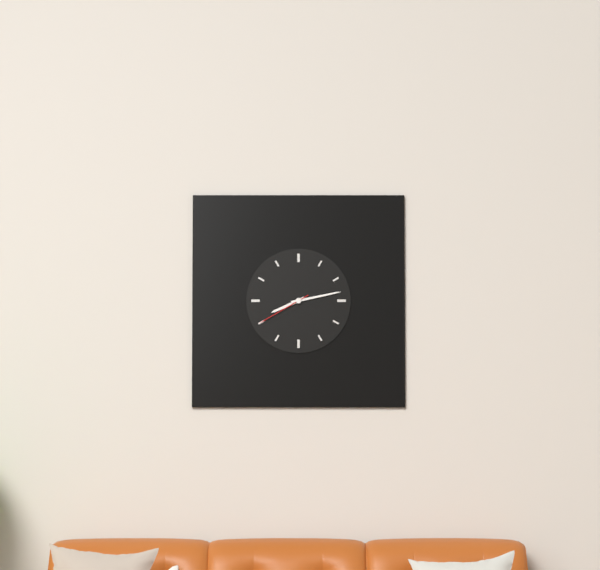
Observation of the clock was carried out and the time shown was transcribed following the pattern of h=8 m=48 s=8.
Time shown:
h=8 m=13 s=40
